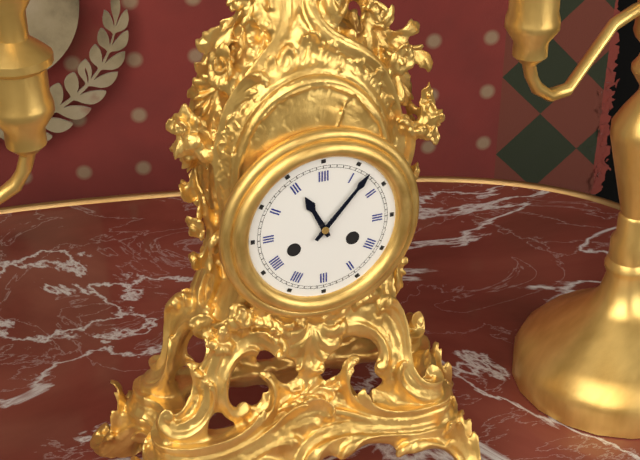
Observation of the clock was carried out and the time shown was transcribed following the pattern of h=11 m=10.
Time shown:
h=11 m=7
